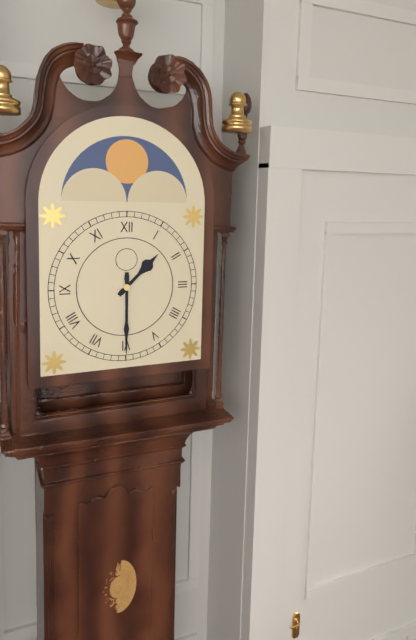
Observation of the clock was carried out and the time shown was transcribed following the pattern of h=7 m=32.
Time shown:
h=1 m=30
